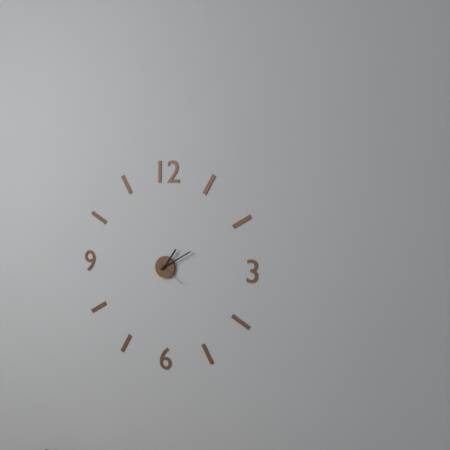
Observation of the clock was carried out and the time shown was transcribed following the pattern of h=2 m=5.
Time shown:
h=1 m=10
